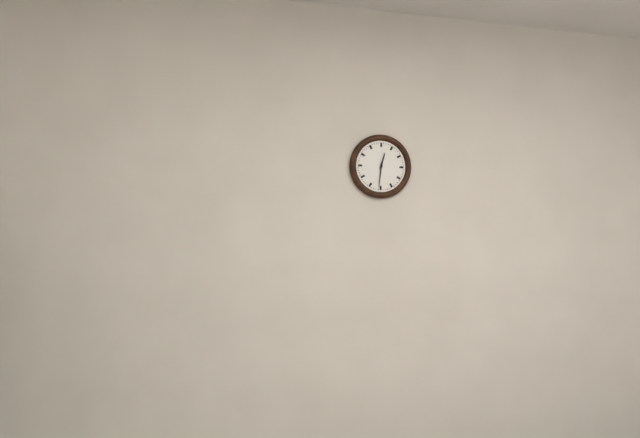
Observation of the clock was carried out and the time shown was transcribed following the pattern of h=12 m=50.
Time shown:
h=12 m=31
